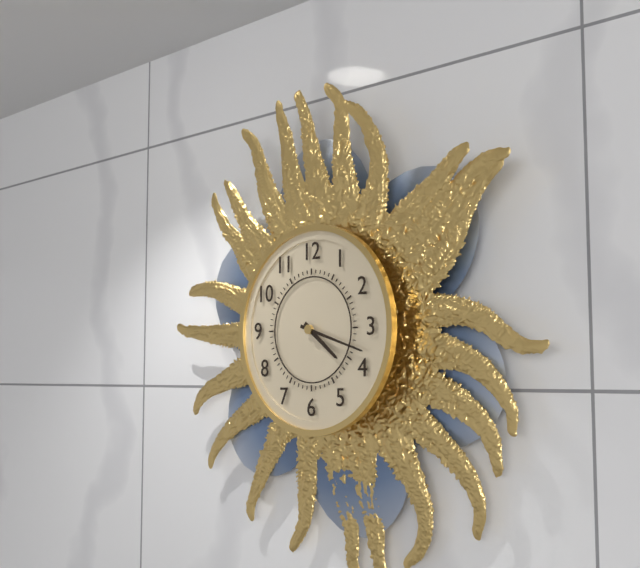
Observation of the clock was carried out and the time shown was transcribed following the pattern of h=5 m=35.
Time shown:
h=4 m=18
